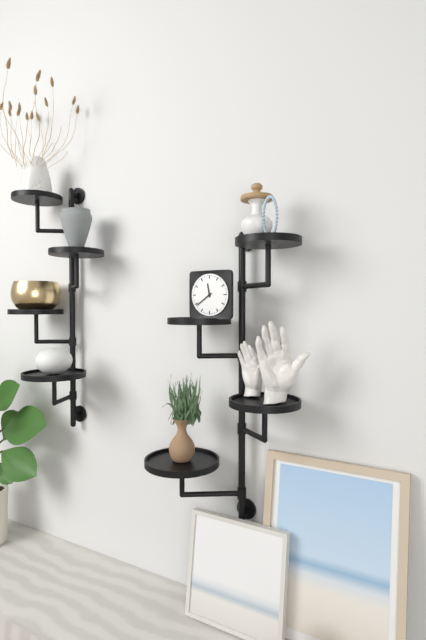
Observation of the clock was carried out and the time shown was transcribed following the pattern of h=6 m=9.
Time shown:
h=11 m=39
